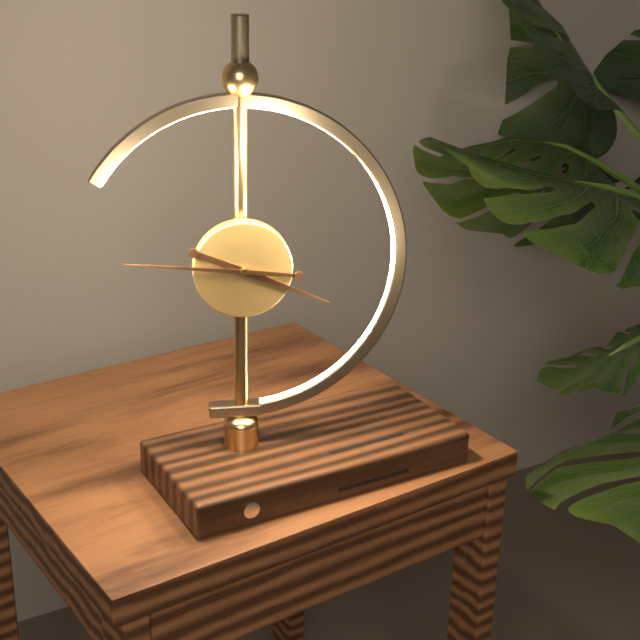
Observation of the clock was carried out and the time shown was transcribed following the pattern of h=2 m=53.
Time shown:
h=3 m=46
